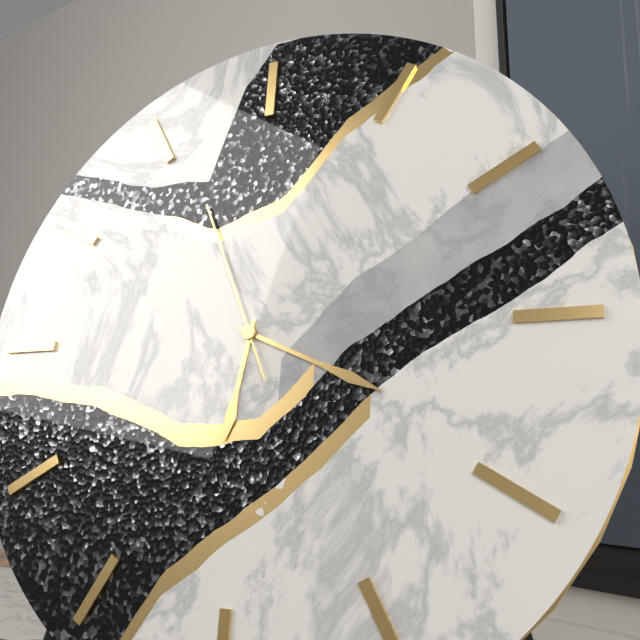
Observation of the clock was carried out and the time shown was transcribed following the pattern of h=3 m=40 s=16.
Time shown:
h=6 m=19 s=56
